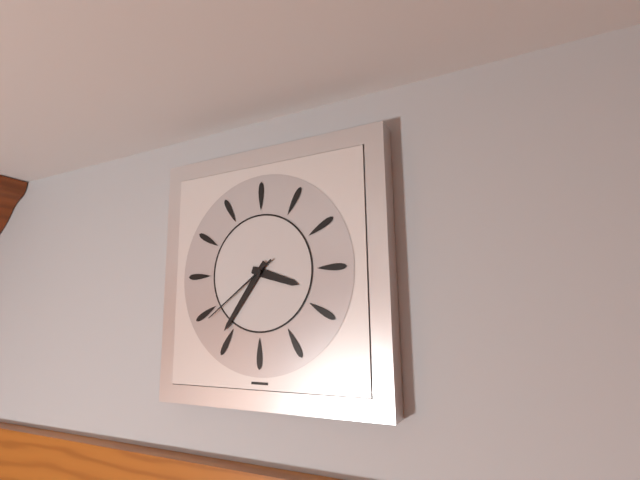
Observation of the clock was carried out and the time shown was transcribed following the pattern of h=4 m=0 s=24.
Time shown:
h=3 m=36 s=39
